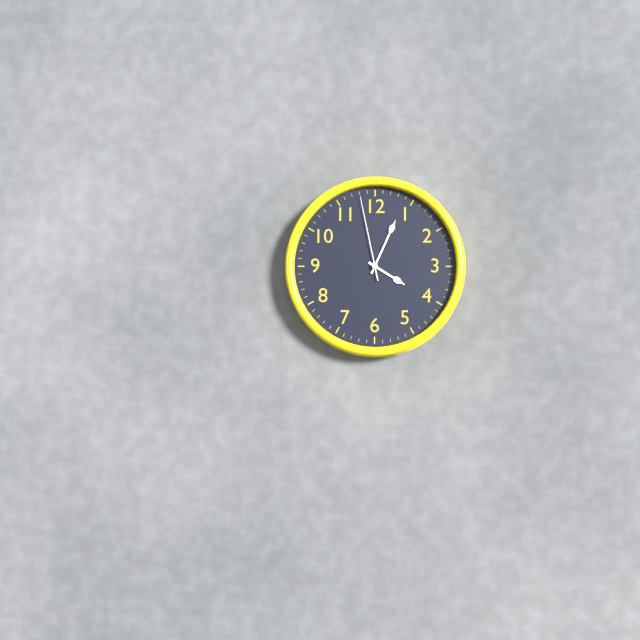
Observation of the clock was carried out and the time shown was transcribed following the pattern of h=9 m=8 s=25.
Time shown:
h=4 m=4 s=58
